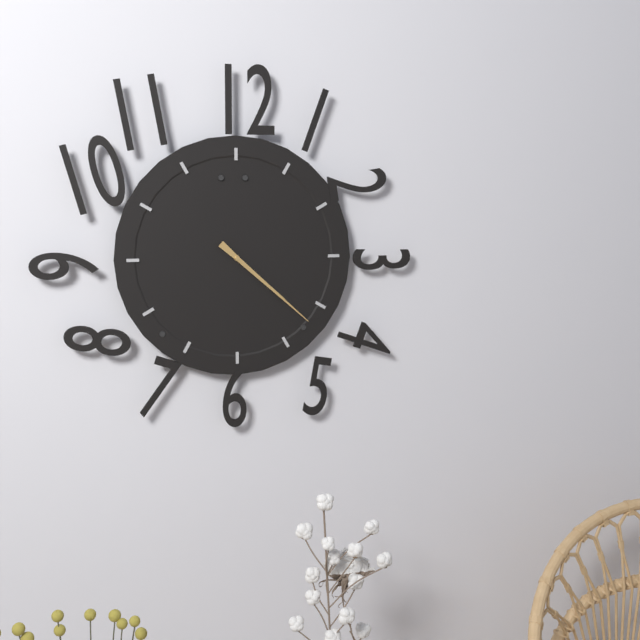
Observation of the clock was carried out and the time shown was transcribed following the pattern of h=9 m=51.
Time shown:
h=4 m=22
